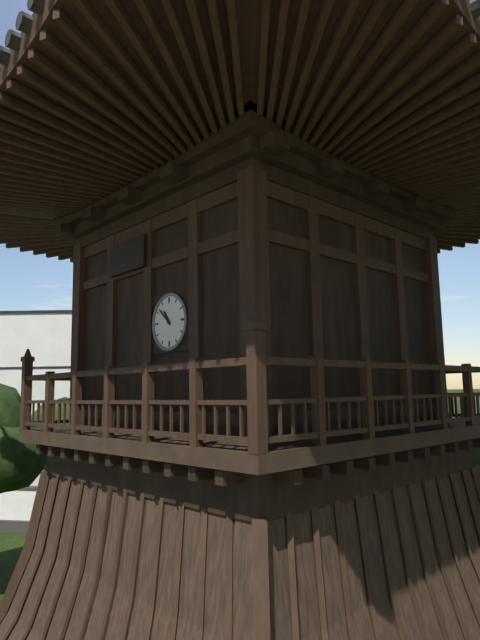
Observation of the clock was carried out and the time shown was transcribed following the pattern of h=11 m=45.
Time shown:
h=10 m=52
